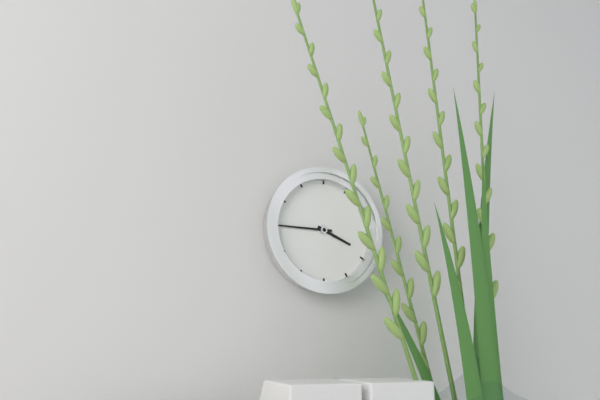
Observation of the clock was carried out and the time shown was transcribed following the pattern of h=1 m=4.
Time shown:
h=3 m=45
